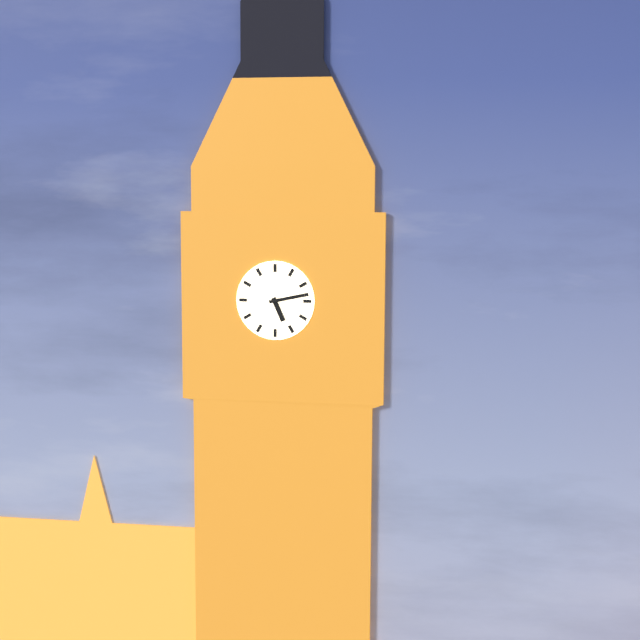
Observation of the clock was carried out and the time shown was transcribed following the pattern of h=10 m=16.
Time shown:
h=5 m=13
